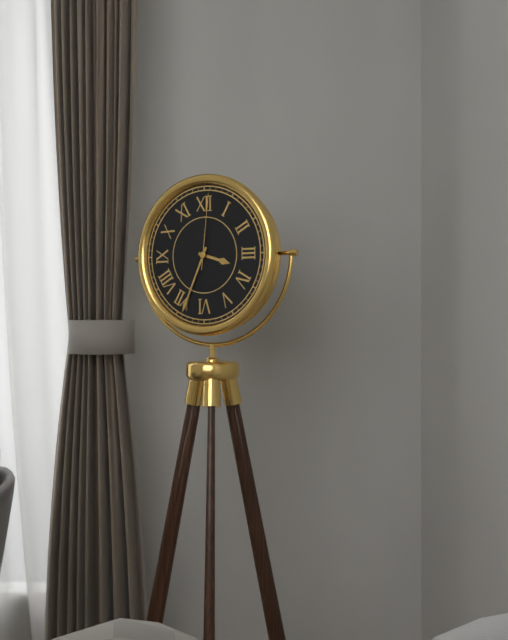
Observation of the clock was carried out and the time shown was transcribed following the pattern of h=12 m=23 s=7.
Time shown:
h=3 m=34 s=1
